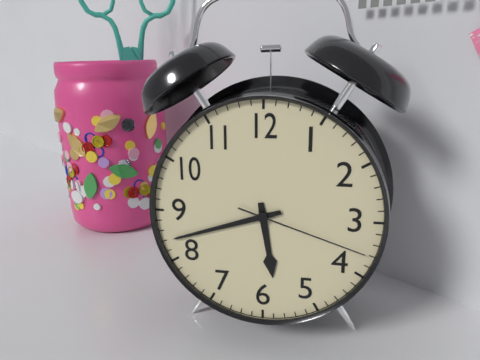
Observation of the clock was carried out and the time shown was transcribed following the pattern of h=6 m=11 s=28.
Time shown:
h=5 m=42 s=18
